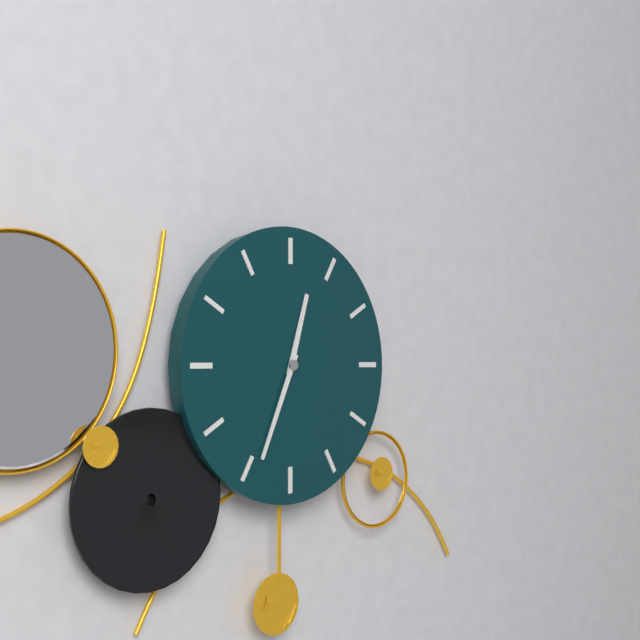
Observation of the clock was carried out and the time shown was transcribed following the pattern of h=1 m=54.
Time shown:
h=12 m=34
